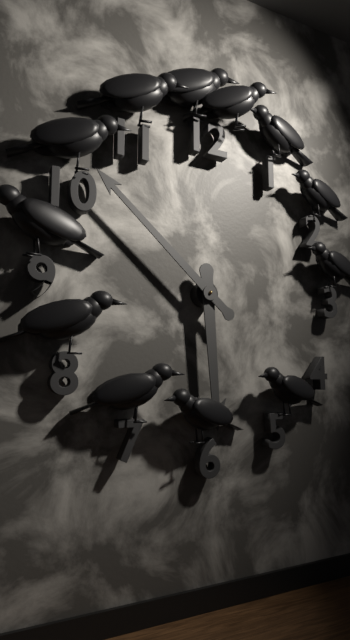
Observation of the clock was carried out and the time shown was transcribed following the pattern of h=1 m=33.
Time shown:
h=5 m=52
